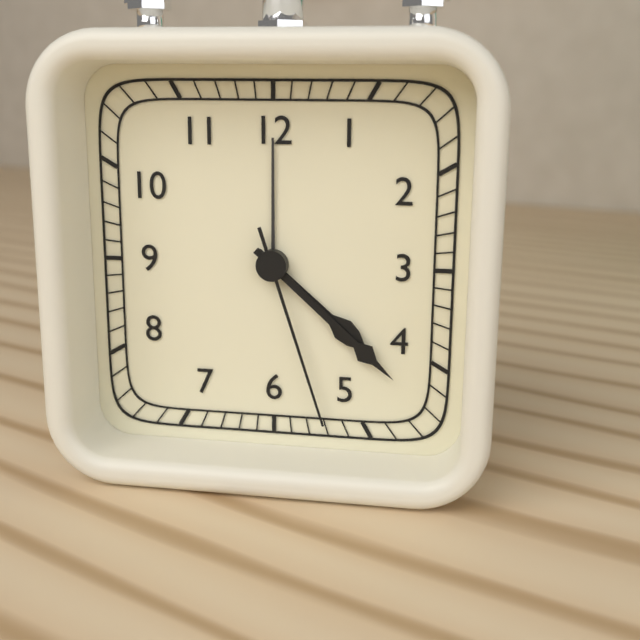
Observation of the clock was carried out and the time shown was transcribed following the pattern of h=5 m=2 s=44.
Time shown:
h=4 m=22 s=27
